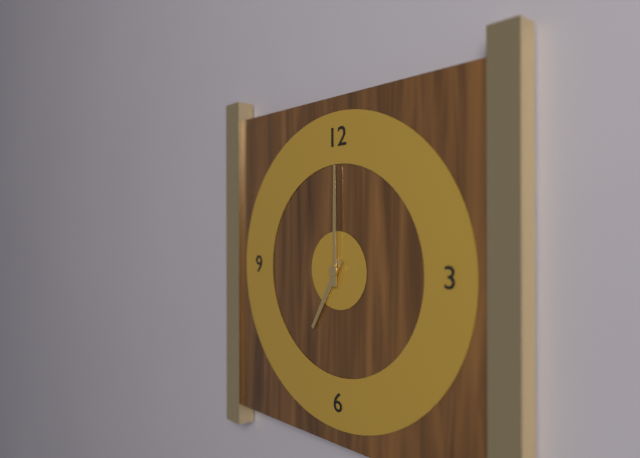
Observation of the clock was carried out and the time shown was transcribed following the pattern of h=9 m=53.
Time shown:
h=7 m=0
